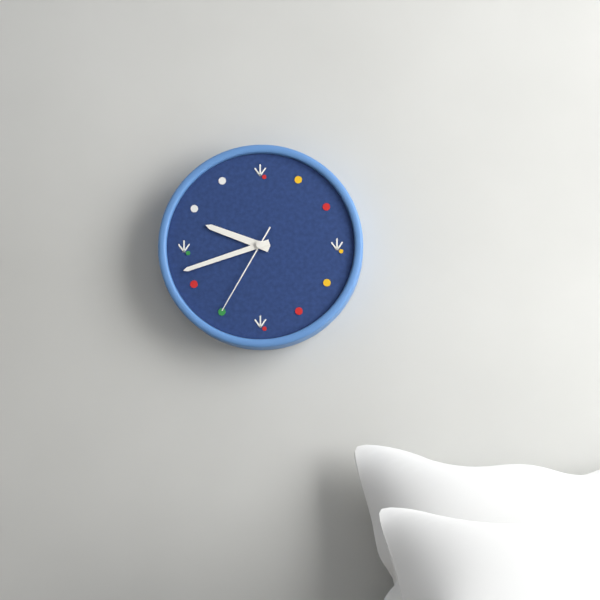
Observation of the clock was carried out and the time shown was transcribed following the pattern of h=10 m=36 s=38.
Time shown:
h=9 m=42 s=35
